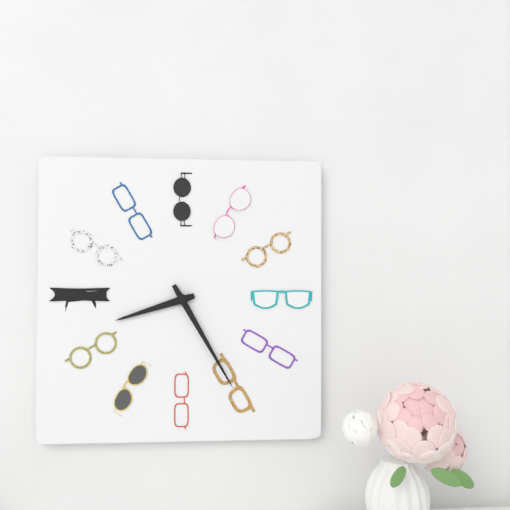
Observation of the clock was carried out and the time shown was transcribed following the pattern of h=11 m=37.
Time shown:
h=8 m=25
